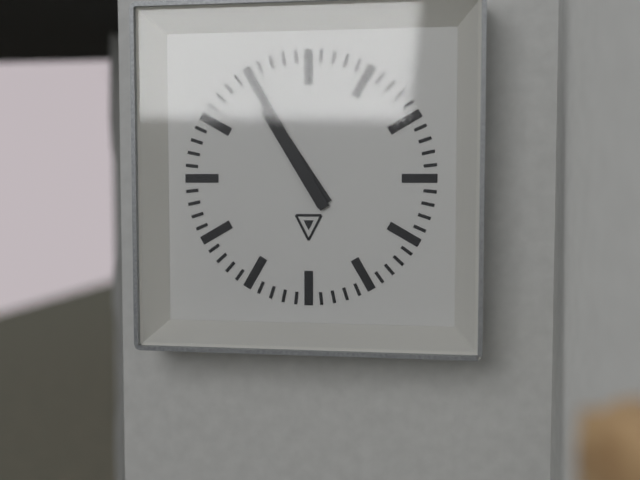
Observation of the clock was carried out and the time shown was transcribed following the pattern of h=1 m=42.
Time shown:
h=10 m=55
